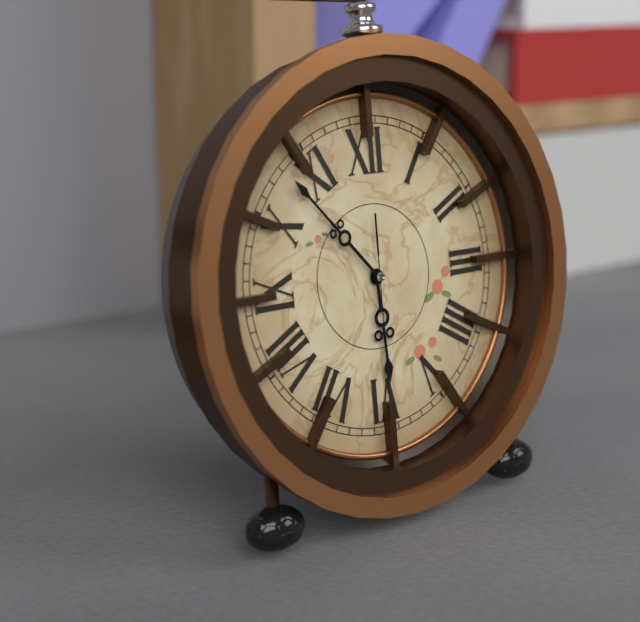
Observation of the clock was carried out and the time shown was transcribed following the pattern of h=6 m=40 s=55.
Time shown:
h=5 m=53 s=30
